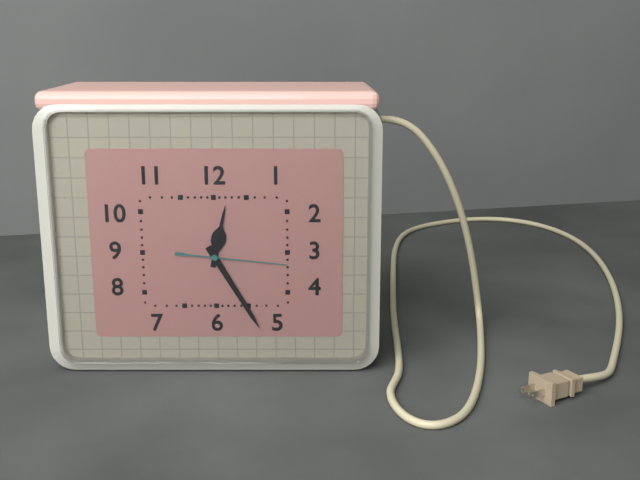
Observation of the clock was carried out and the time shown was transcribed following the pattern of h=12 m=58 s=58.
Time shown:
h=12 m=25 s=16
